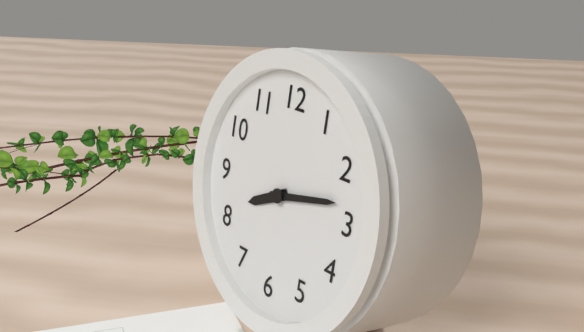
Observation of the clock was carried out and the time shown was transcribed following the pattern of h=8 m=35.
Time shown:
h=8 m=13
